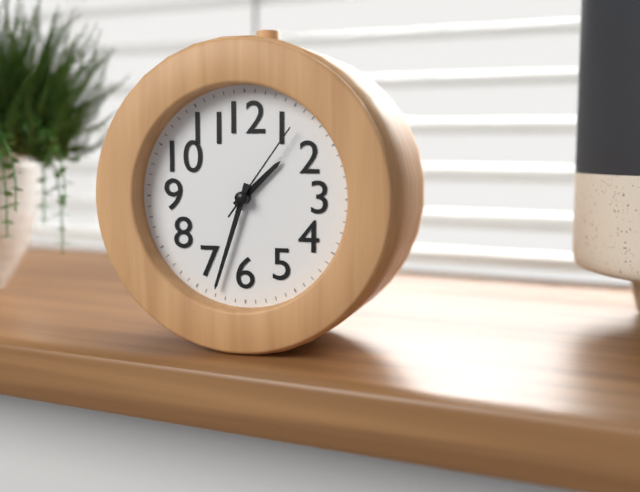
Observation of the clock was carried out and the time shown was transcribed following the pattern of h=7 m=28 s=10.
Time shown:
h=1 m=33 s=6
